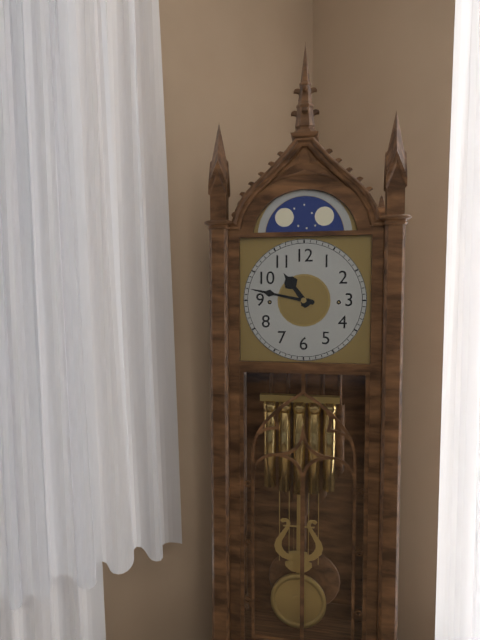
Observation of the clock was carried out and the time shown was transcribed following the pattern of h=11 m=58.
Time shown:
h=10 m=47
